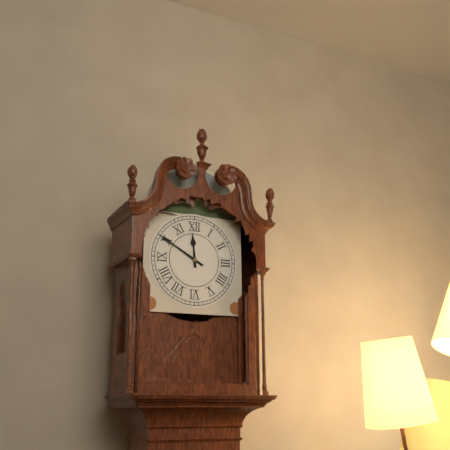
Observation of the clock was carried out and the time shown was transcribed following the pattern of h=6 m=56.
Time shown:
h=11 m=50
